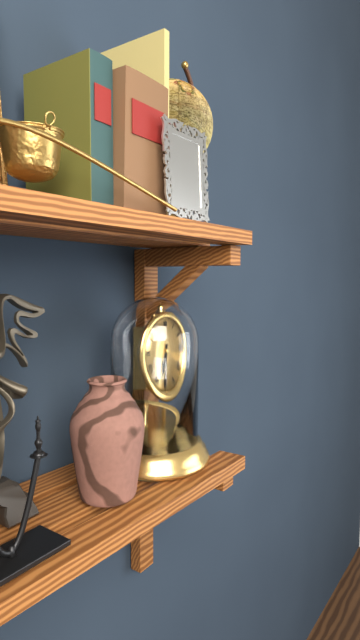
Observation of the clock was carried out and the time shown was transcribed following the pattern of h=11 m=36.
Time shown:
h=6 m=31
